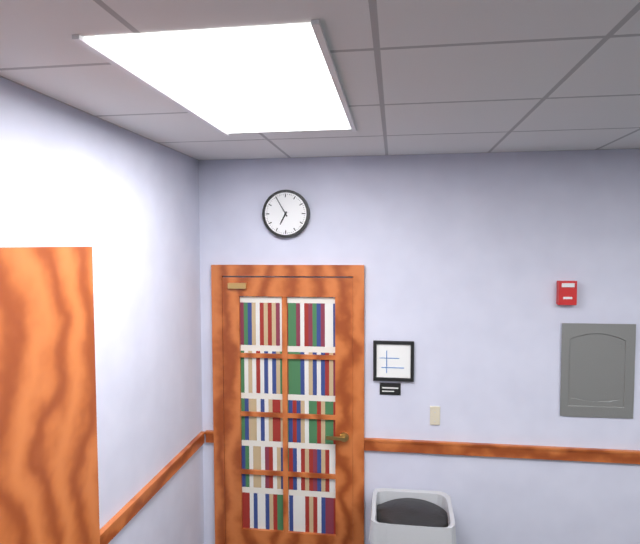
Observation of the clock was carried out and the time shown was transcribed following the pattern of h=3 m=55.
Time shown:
h=6 m=55
